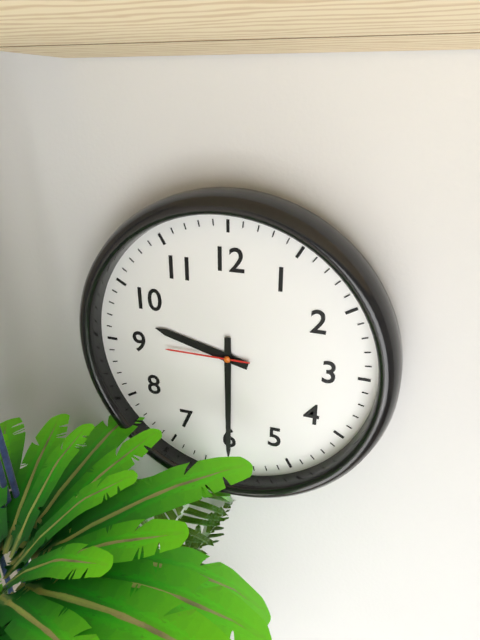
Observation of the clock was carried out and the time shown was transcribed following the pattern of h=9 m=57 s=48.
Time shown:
h=9 m=30 s=45
